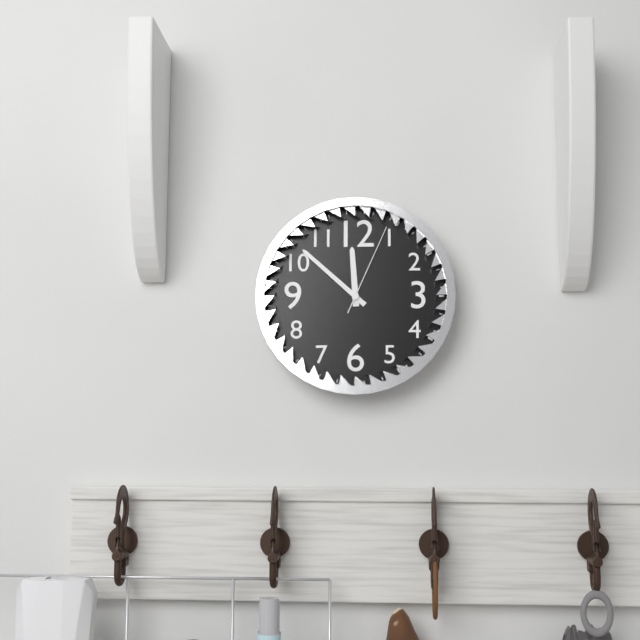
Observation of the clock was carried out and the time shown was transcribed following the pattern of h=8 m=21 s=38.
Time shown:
h=11 m=52 s=4
